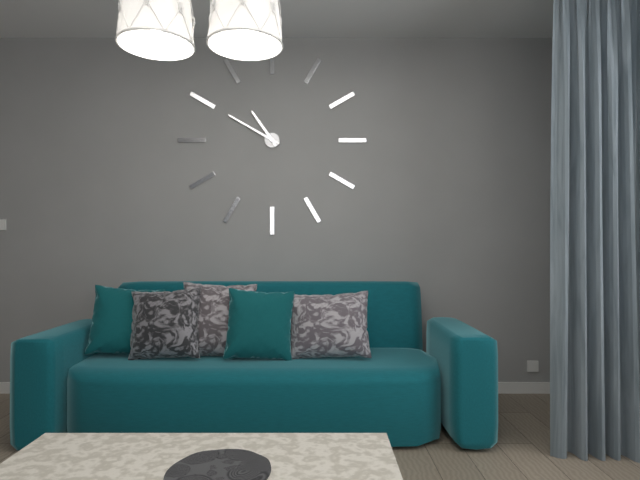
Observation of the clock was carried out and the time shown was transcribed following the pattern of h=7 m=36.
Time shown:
h=10 m=50
